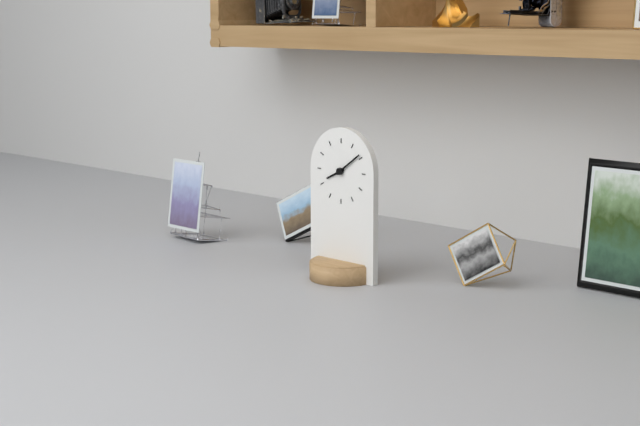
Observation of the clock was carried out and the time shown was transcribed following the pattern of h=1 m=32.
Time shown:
h=8 m=9
